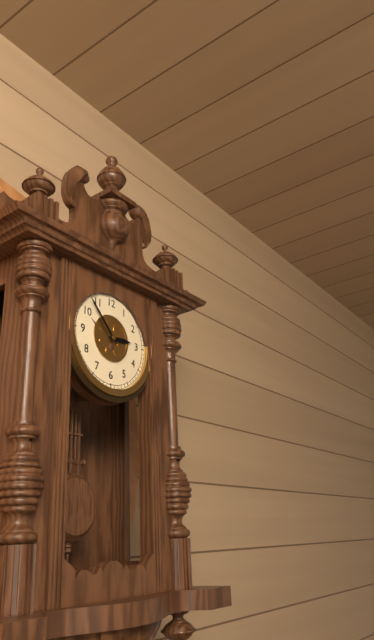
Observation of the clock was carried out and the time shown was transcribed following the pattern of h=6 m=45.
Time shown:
h=2 m=53
